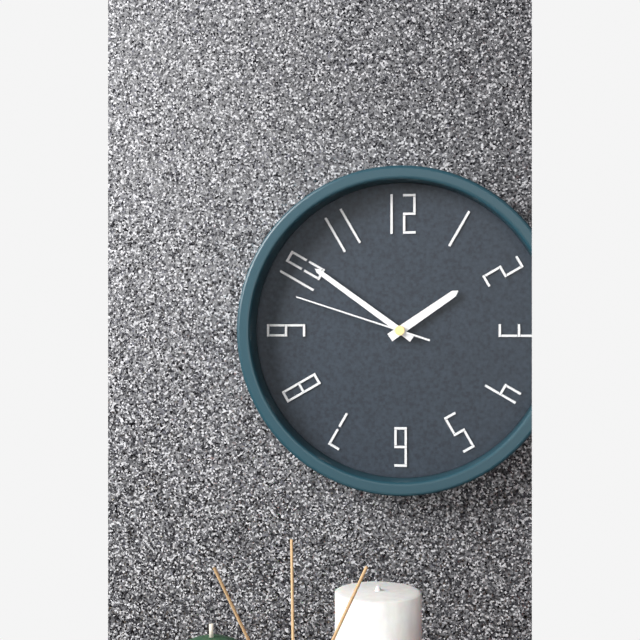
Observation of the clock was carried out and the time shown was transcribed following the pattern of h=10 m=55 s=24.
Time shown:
h=1 m=51 s=48
